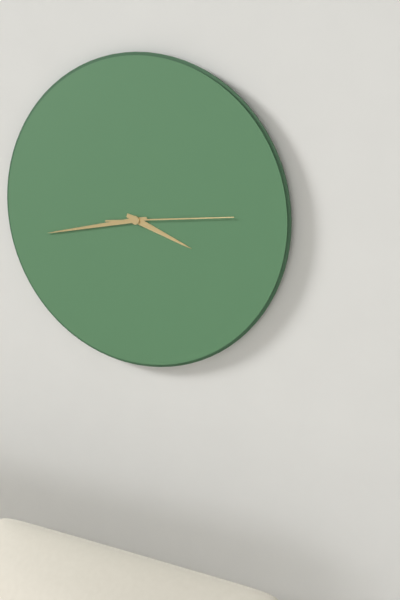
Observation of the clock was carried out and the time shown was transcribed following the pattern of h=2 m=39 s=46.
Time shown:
h=3 m=43 s=14
